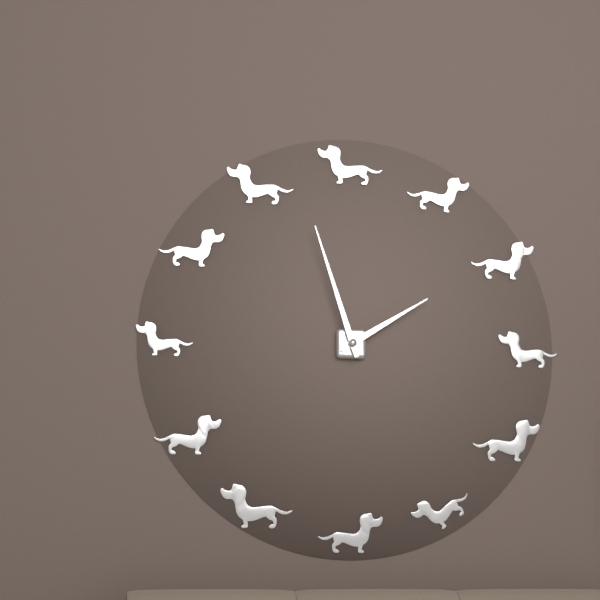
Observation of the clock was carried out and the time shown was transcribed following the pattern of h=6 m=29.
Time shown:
h=1 m=57
